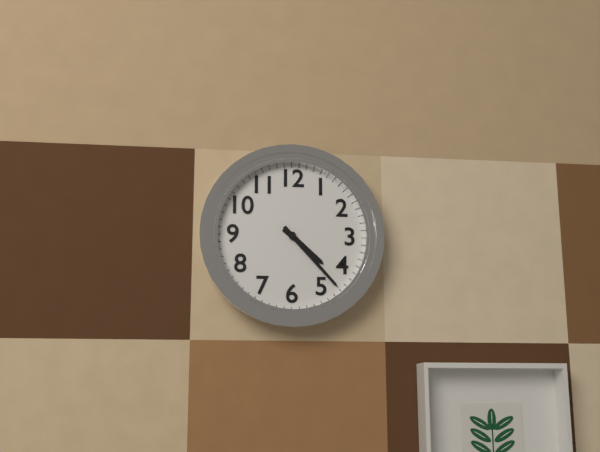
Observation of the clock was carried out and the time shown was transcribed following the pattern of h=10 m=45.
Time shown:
h=4 m=23
